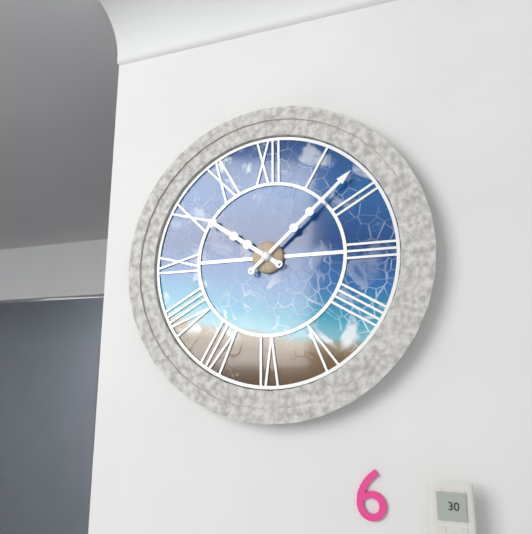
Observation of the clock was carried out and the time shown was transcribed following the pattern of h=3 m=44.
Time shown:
h=10 m=8
